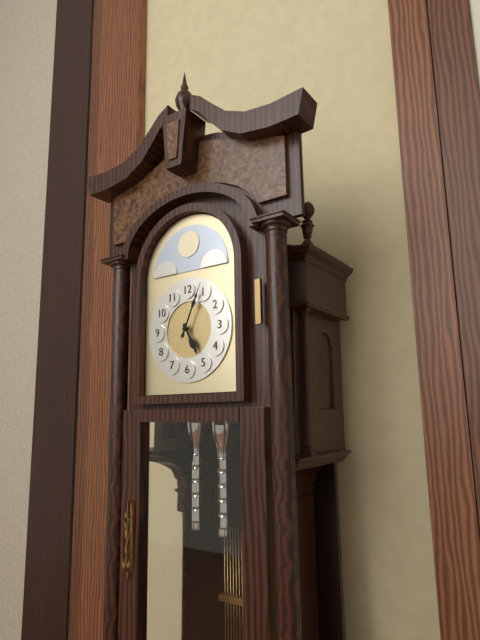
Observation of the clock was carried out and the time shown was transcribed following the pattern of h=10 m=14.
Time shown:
h=5 m=4
